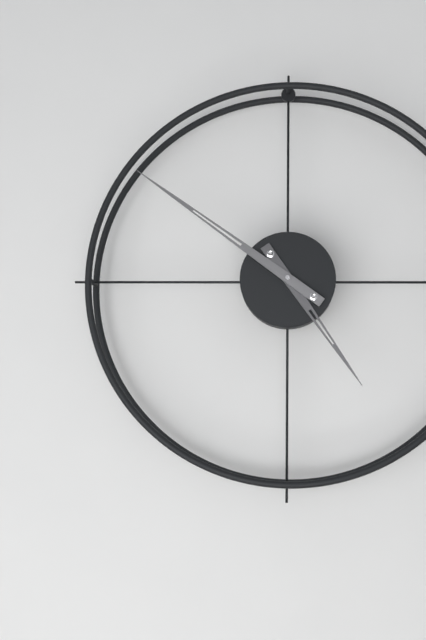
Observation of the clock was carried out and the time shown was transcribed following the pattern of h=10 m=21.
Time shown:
h=4 m=51
